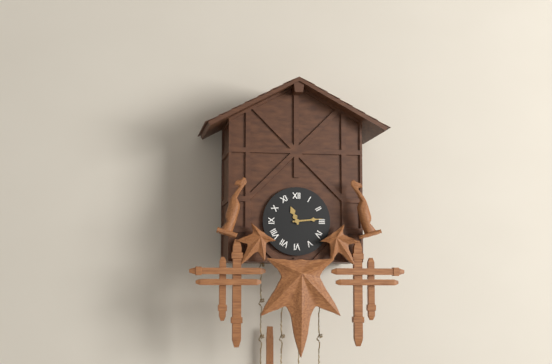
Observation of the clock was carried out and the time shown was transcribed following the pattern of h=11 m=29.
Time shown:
h=11 m=14
